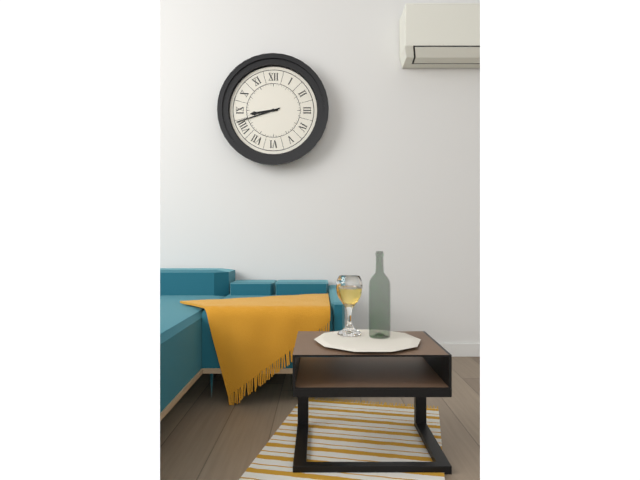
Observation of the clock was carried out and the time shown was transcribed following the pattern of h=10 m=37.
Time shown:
h=8 m=42
